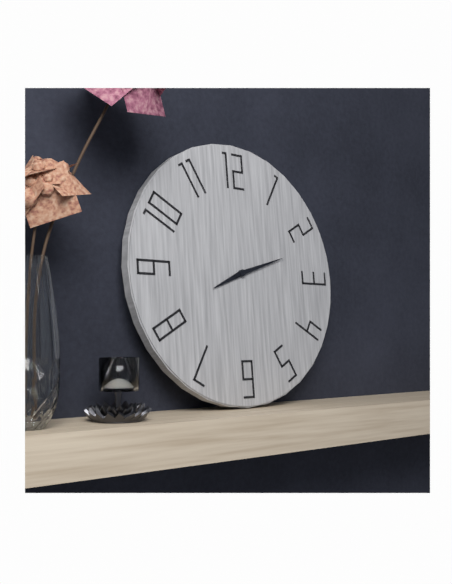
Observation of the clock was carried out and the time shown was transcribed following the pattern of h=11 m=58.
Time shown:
h=8 m=12
